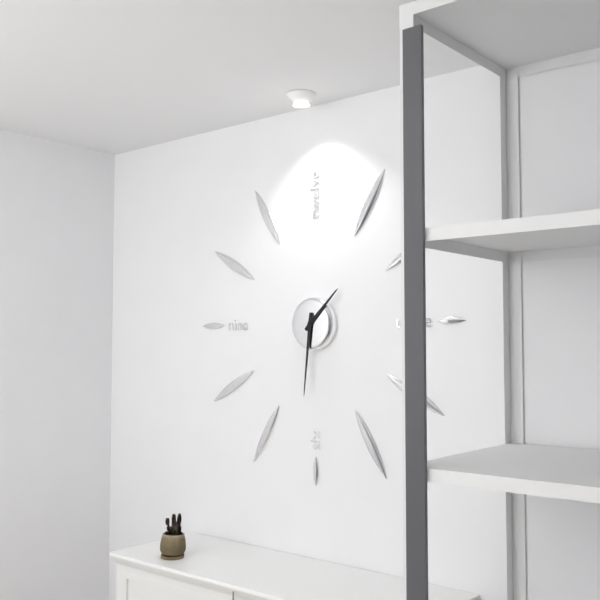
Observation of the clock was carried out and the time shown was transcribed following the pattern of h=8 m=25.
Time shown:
h=1 m=31
